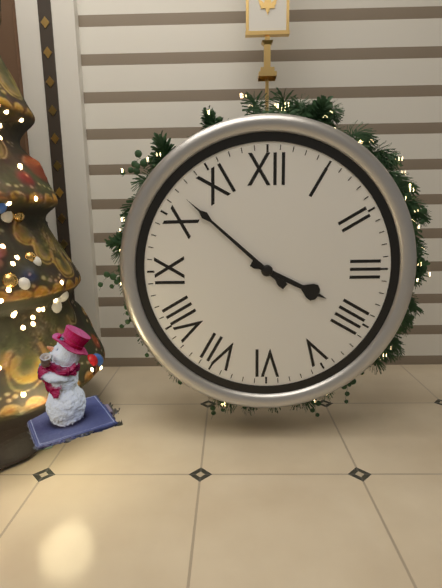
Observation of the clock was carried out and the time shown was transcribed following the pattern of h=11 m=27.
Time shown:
h=3 m=52
